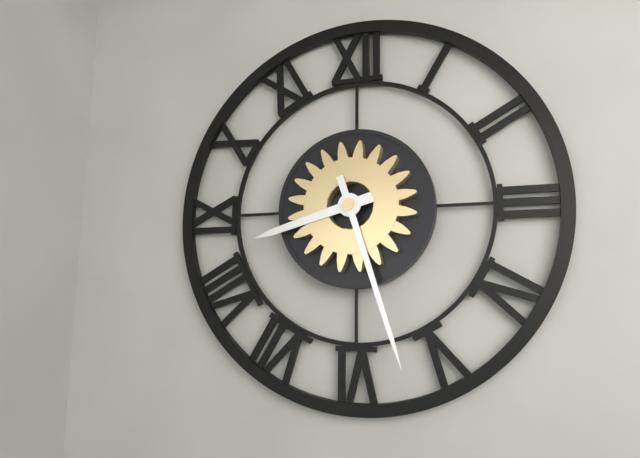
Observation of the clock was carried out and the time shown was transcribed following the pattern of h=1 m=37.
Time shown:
h=8 m=27
